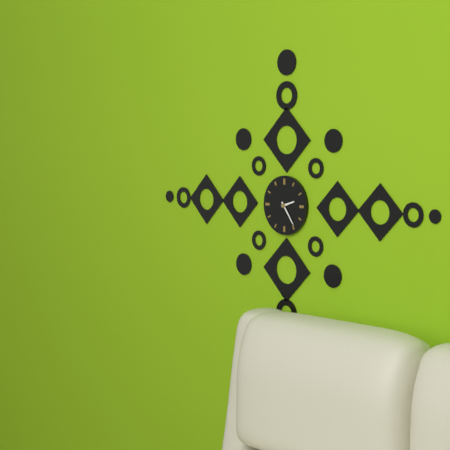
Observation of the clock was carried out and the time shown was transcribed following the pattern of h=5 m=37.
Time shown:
h=2 m=24
